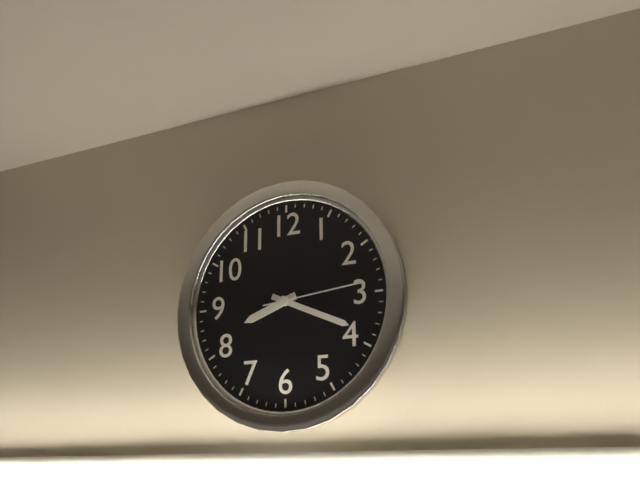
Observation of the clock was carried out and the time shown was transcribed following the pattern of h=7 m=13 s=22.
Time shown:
h=8 m=19 s=14
